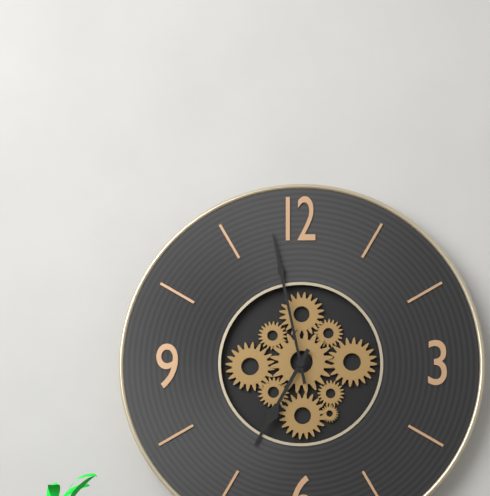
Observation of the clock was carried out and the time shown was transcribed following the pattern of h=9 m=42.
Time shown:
h=6 m=58
